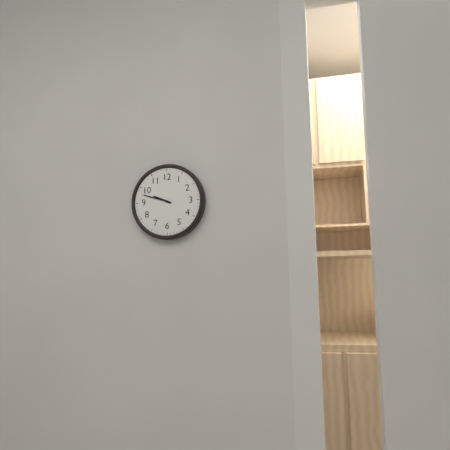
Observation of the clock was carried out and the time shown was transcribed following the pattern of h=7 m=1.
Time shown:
h=9 m=48
